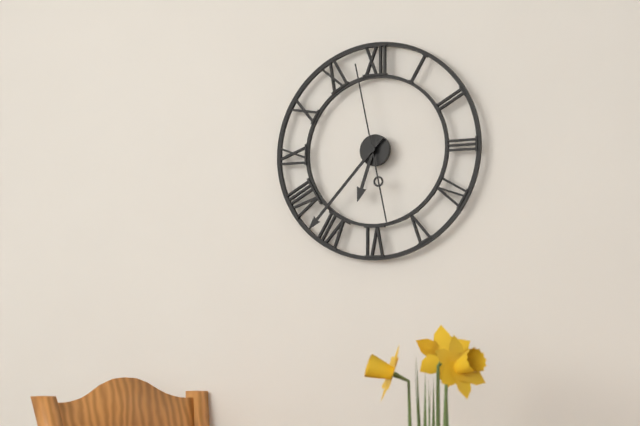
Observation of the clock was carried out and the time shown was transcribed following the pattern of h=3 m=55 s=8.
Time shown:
h=6 m=37 s=58
